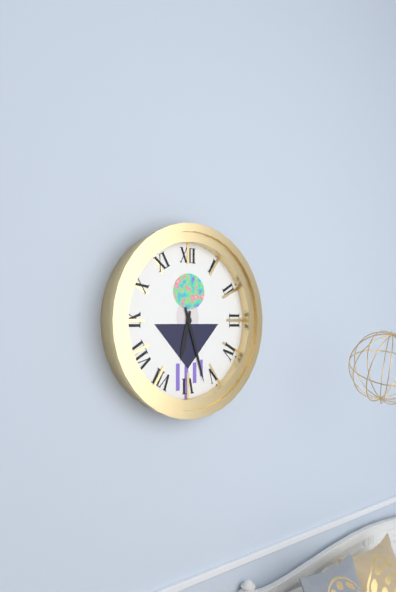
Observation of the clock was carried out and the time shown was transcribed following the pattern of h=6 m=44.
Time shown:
h=6 m=27
